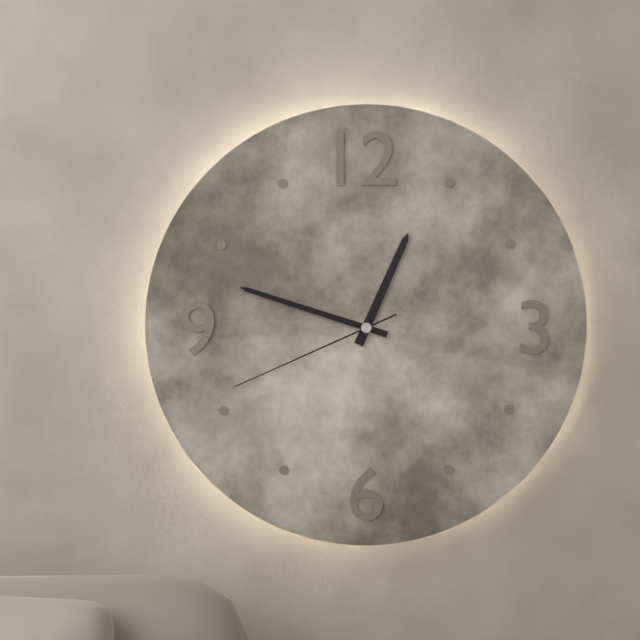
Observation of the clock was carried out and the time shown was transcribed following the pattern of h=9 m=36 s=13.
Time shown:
h=12 m=48 s=41
